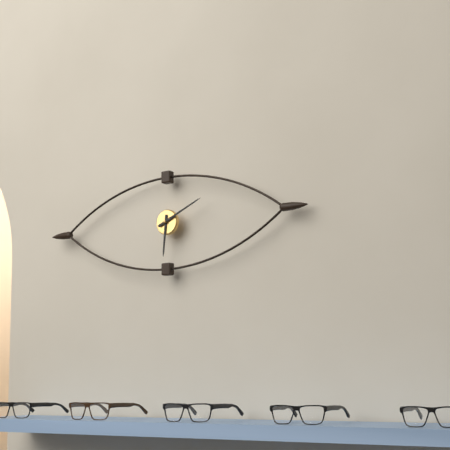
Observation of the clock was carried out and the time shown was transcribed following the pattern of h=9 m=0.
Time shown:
h=6 m=11
